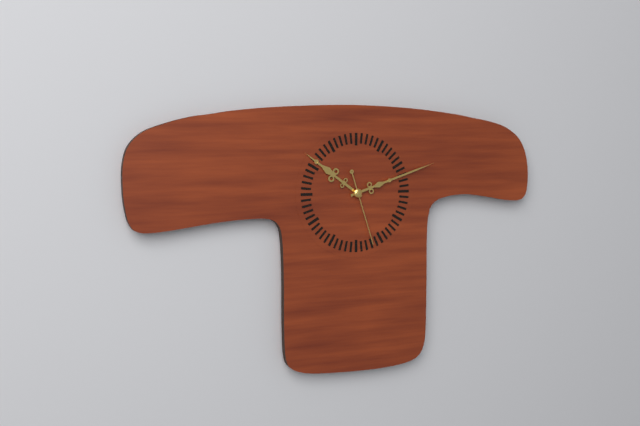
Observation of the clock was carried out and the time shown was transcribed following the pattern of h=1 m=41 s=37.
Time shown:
h=10 m=12 s=27
